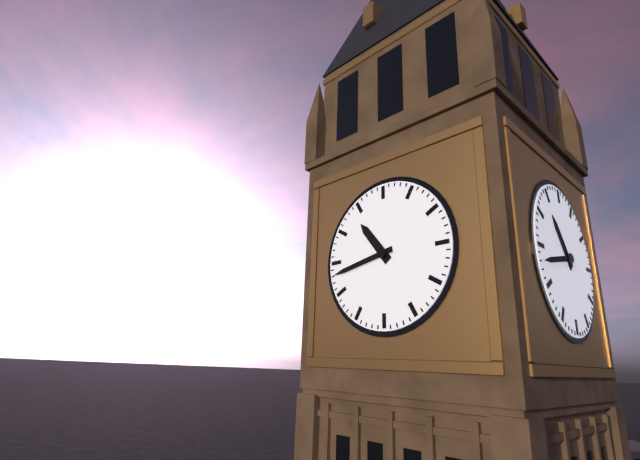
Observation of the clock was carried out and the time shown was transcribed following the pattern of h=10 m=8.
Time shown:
h=10 m=43
